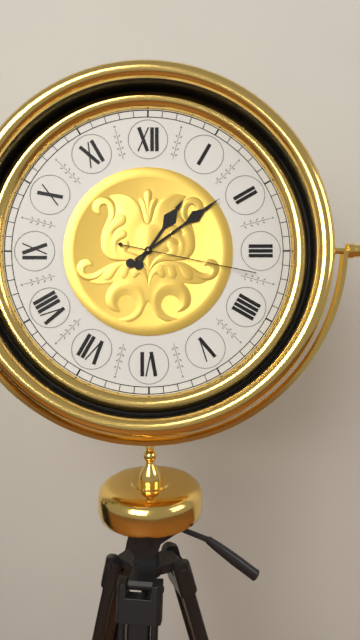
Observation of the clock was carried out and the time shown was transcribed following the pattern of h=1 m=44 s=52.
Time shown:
h=1 m=9 s=17
